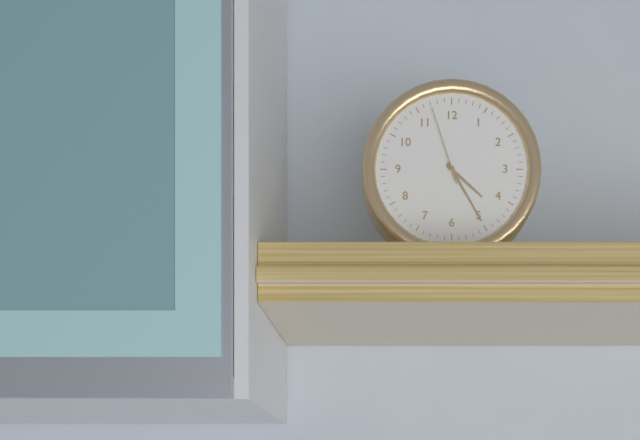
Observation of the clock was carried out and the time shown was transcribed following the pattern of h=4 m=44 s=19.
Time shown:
h=4 m=25 s=57
